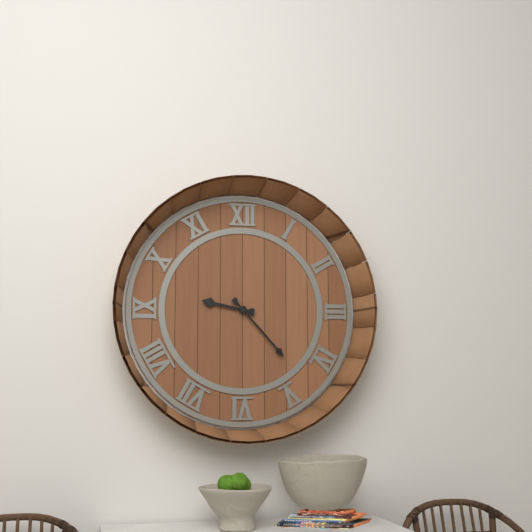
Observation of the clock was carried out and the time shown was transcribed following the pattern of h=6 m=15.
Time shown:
h=9 m=23
